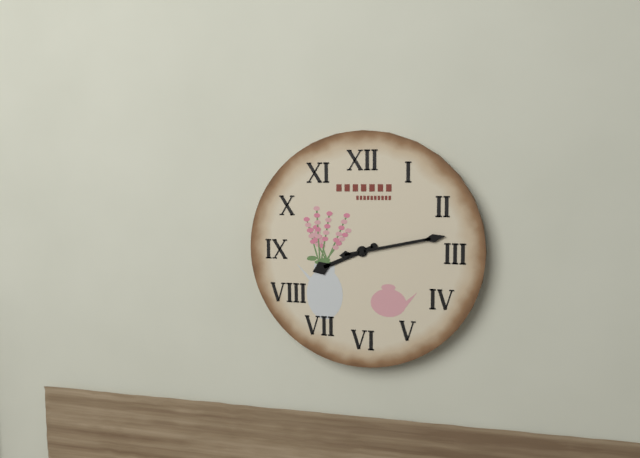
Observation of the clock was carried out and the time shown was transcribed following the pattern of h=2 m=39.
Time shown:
h=8 m=13
